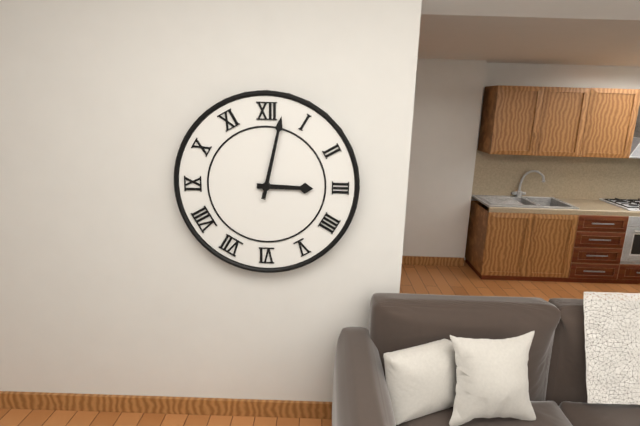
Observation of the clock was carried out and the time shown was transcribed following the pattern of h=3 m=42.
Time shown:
h=3 m=2
